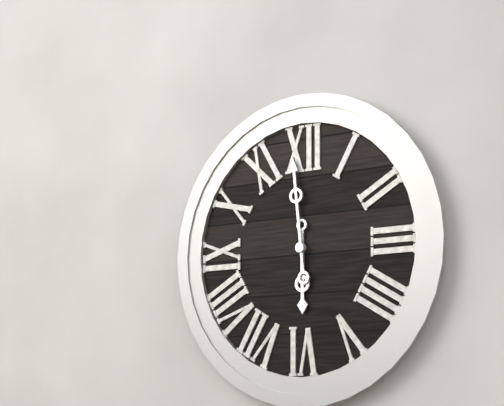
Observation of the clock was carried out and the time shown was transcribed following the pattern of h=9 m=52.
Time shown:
h=5 m=59
